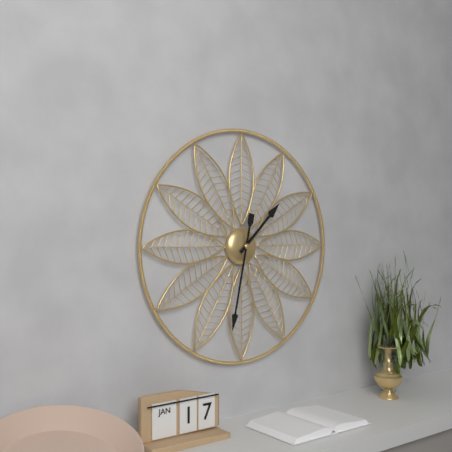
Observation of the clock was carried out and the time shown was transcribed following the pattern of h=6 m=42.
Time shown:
h=1 m=32
